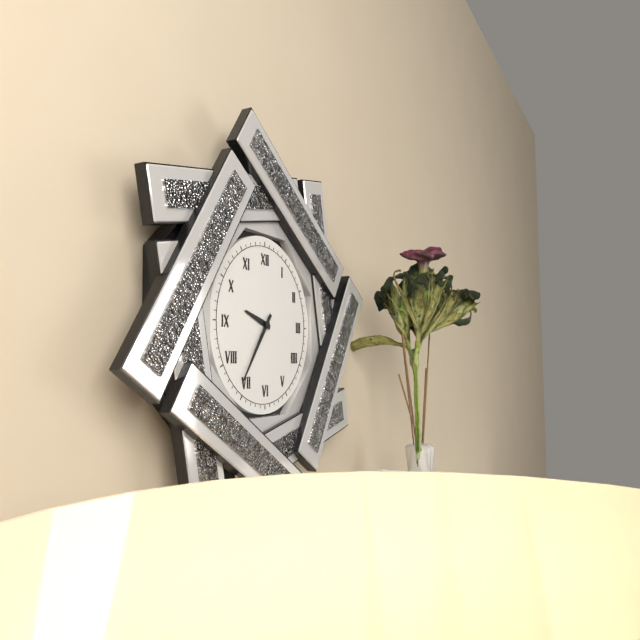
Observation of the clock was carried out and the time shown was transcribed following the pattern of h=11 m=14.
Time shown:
h=9 m=36
